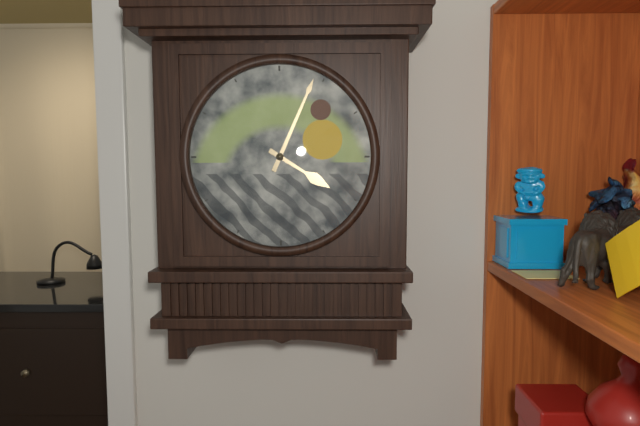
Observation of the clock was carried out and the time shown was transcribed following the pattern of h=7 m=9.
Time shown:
h=4 m=4
